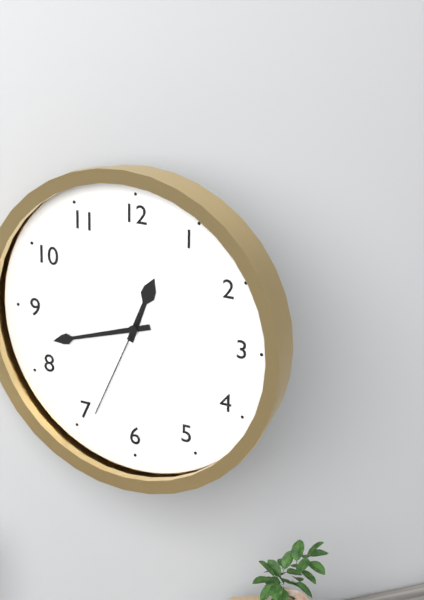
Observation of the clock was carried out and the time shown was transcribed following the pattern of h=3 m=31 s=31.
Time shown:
h=12 m=42 s=34
